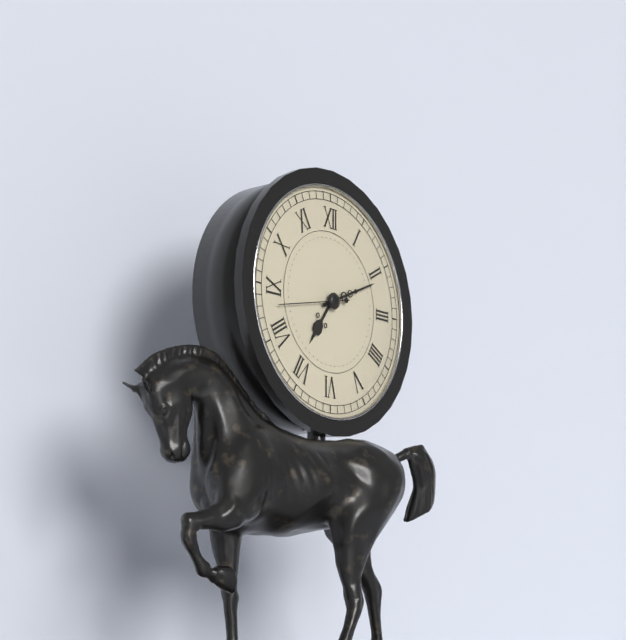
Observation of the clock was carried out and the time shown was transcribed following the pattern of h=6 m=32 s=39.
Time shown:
h=7 m=11 s=43
